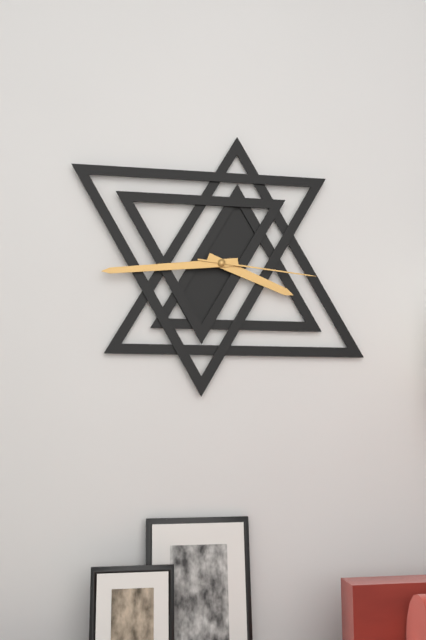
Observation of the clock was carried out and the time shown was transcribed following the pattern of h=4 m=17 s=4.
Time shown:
h=3 m=44 s=16
